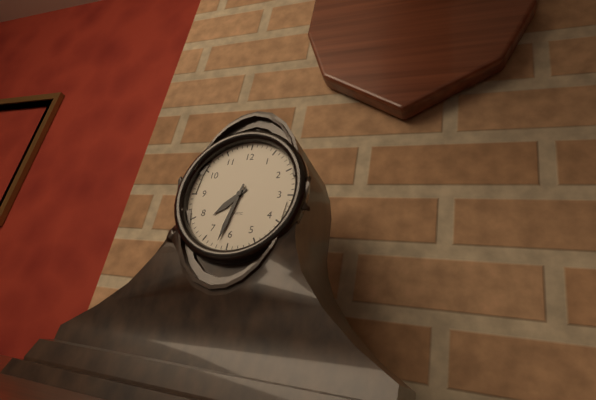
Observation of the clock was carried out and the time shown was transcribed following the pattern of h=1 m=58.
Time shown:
h=7 m=32
